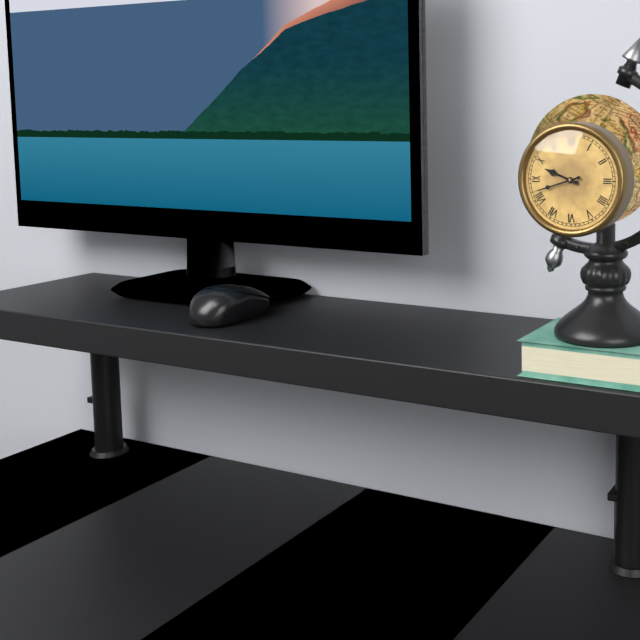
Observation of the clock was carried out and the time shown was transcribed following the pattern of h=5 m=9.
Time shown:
h=9 m=42
